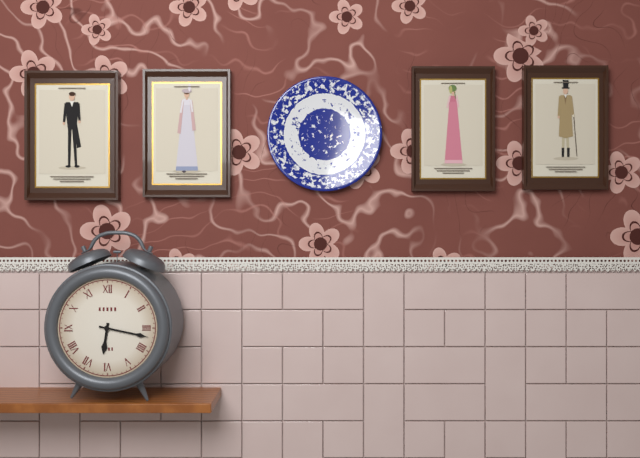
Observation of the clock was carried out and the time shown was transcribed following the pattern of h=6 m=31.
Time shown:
h=6 m=17
